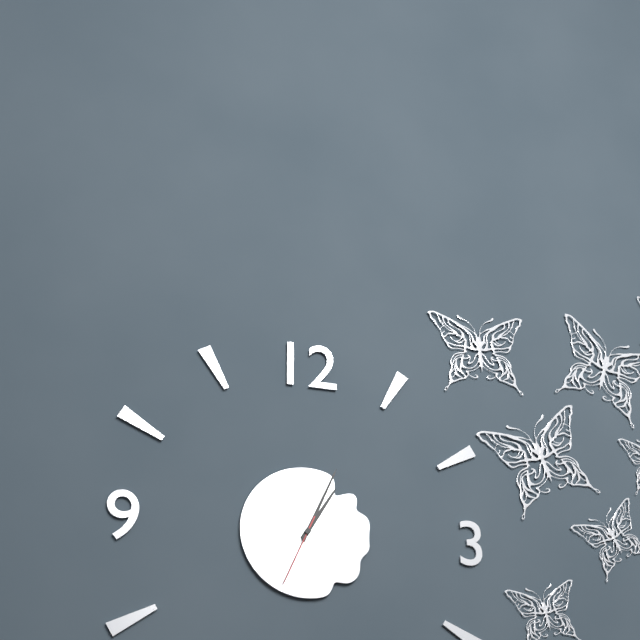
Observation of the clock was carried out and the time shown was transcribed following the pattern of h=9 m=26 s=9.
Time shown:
h=1 m=4 s=34
